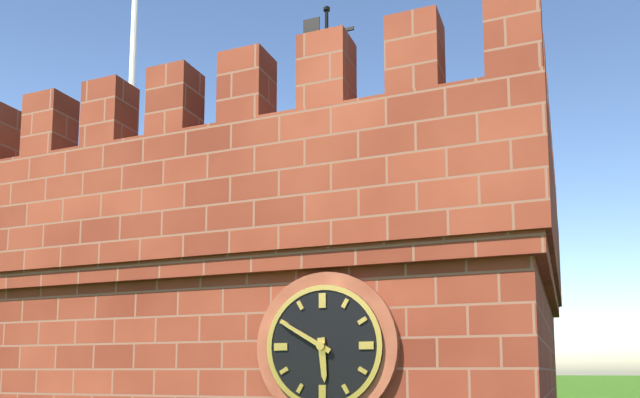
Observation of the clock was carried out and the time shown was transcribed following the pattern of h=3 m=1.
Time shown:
h=5 m=50
